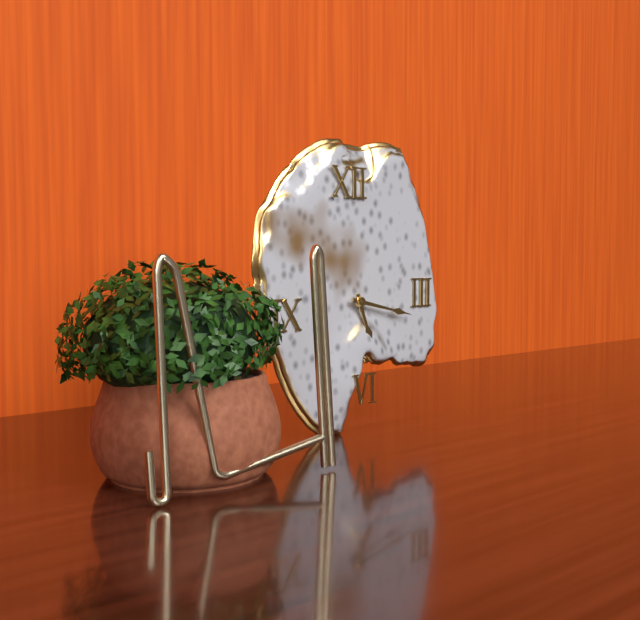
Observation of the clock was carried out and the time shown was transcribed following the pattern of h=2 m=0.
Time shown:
h=5 m=17
